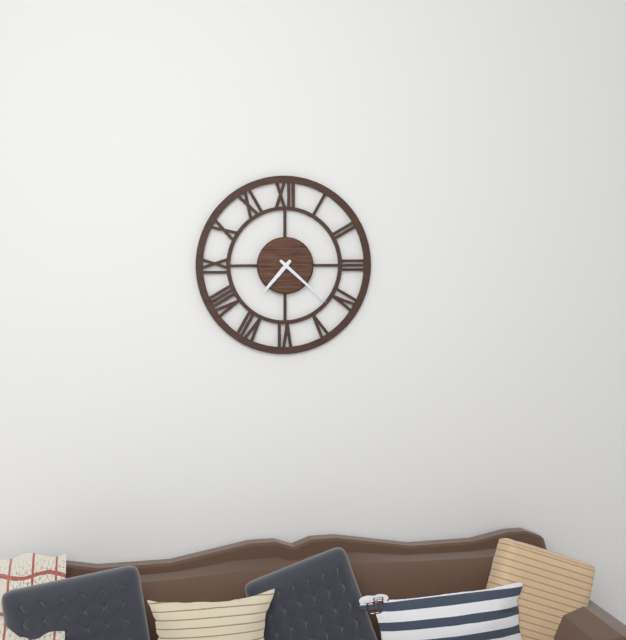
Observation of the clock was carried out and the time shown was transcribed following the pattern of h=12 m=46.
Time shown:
h=7 m=22
